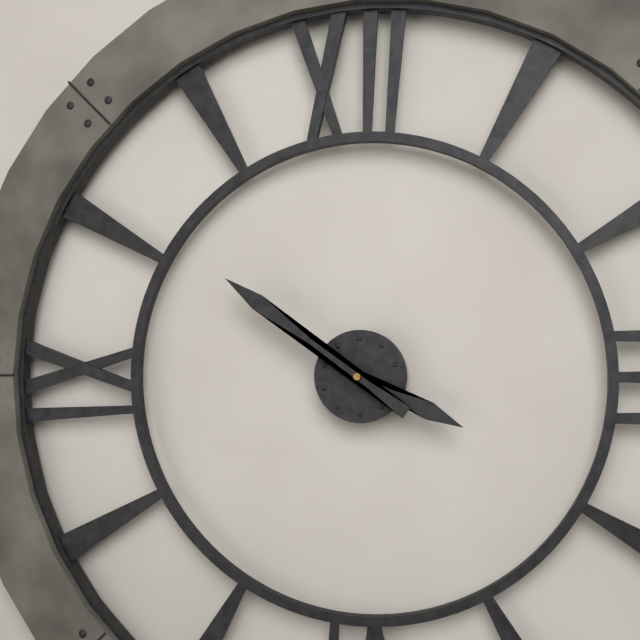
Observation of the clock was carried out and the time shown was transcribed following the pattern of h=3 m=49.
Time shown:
h=3 m=51
